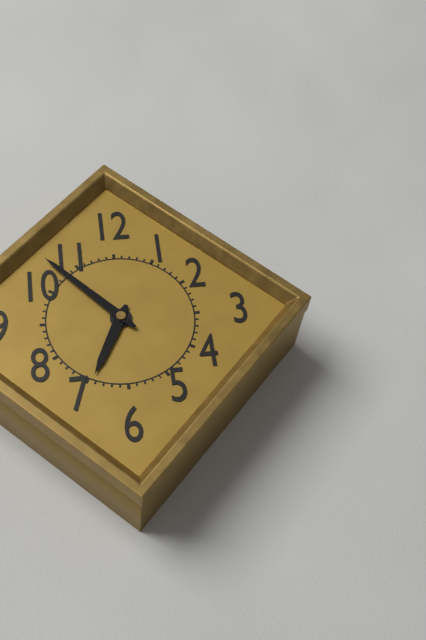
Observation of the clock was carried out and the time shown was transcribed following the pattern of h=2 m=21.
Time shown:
h=6 m=53
